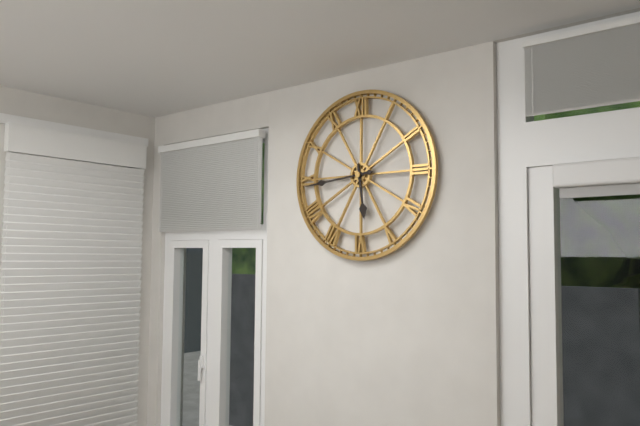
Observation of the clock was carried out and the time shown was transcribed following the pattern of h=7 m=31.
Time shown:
h=5 m=44
